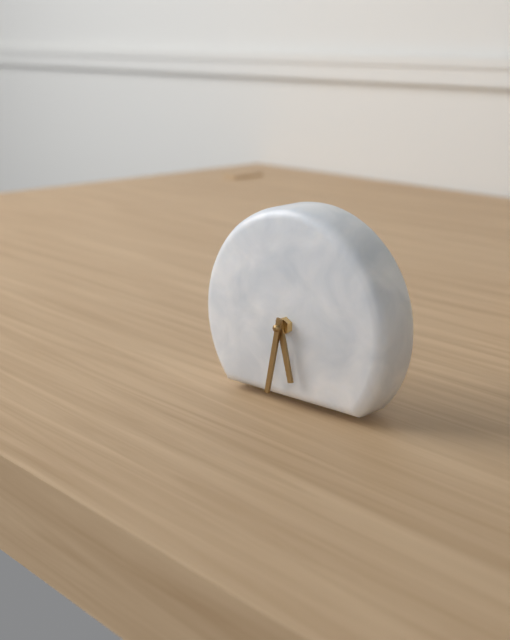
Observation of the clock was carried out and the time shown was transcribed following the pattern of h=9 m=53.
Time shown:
h=5 m=32
